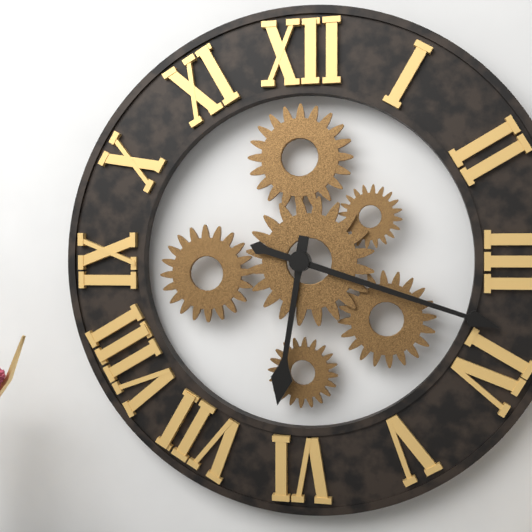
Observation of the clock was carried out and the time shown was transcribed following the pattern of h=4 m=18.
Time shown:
h=6 m=18
